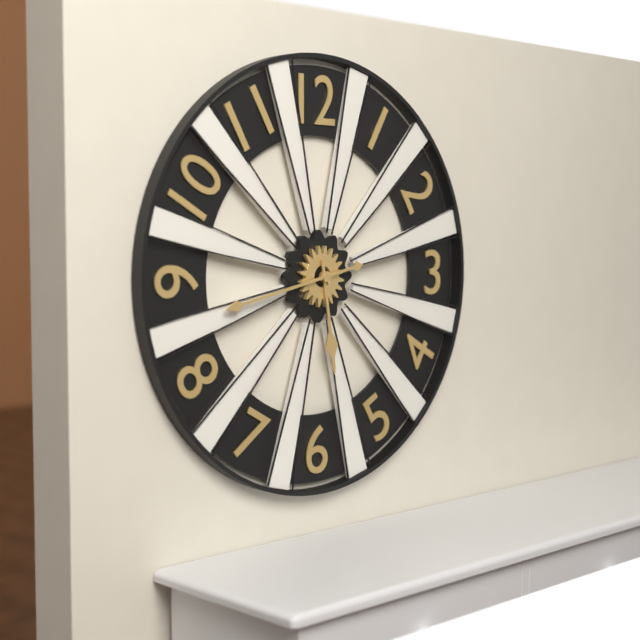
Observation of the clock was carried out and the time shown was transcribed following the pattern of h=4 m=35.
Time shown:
h=5 m=43
